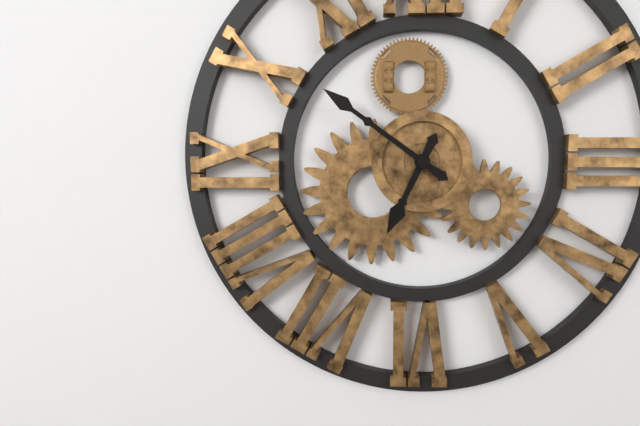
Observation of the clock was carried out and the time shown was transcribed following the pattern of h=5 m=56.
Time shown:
h=6 m=51
